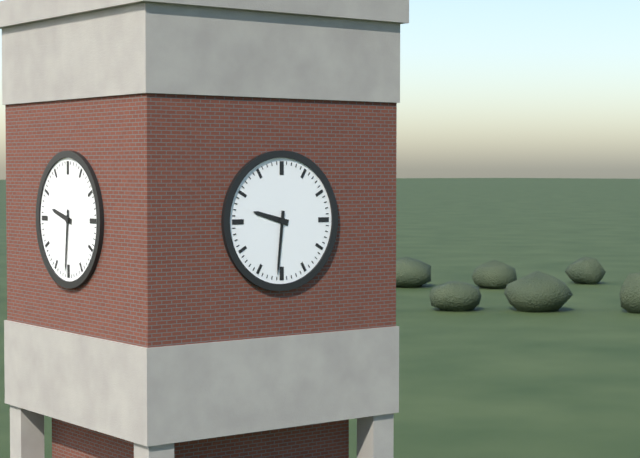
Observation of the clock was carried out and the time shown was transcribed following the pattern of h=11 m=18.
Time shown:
h=9 m=31
